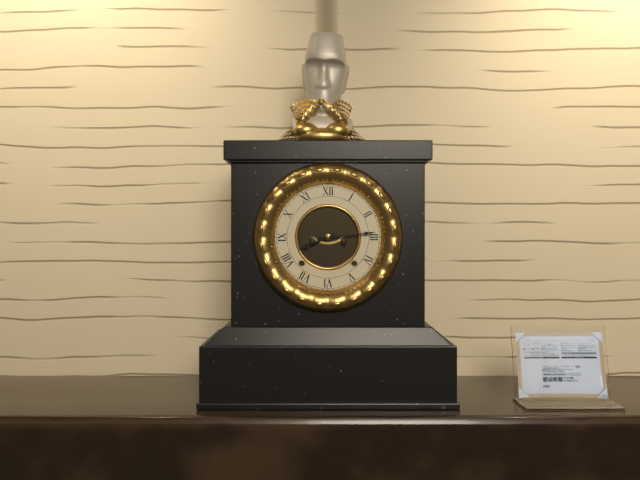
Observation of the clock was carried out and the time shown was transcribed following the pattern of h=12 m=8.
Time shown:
h=8 m=14
